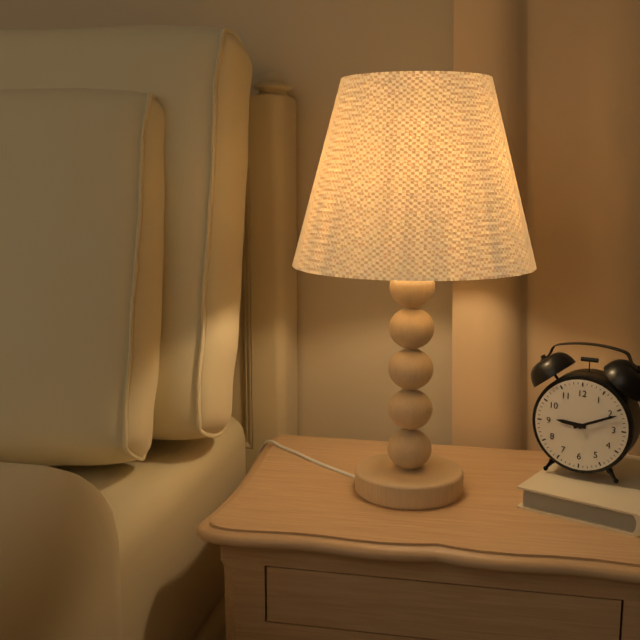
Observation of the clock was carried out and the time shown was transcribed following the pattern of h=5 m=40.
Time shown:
h=9 m=11
